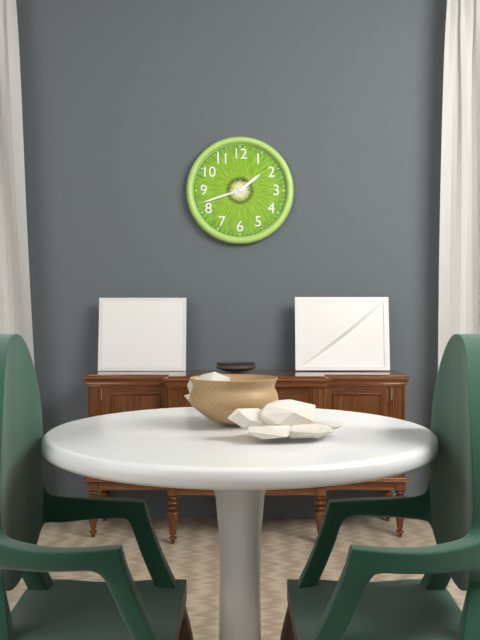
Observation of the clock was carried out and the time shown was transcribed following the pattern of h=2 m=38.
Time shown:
h=1 m=42
